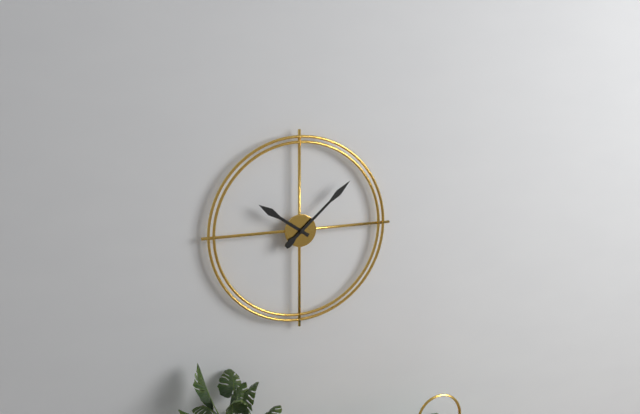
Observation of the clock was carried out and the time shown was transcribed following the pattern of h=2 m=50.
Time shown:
h=10 m=8
